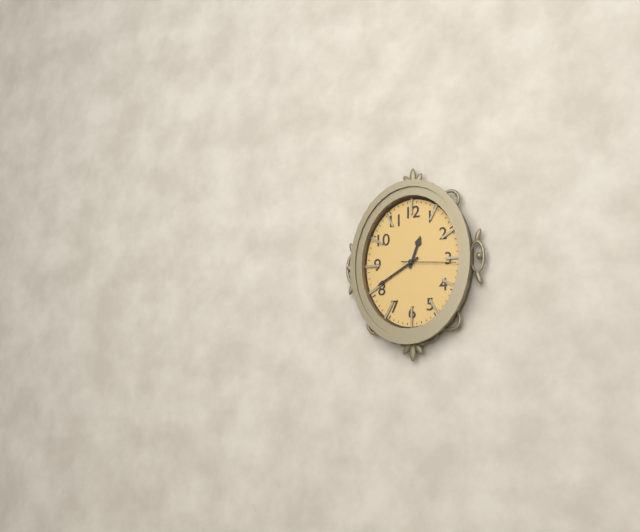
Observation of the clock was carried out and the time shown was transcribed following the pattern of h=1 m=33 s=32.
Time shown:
h=12 m=40 s=16
